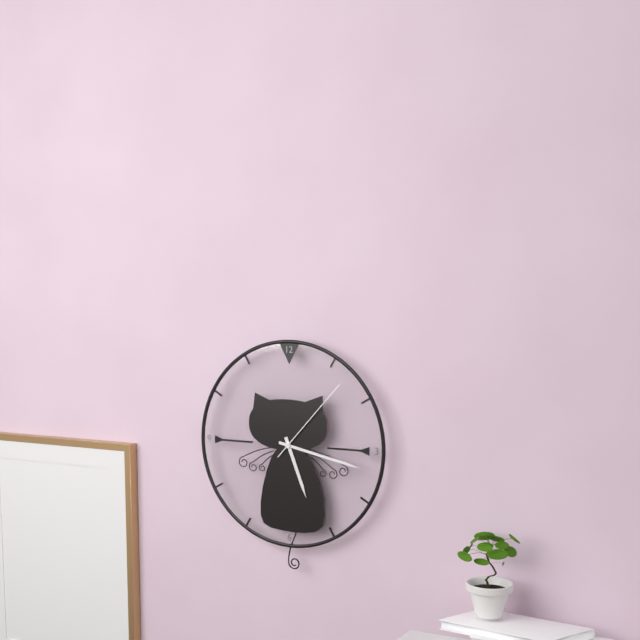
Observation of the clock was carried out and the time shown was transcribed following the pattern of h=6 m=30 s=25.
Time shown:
h=5 m=17 s=7
